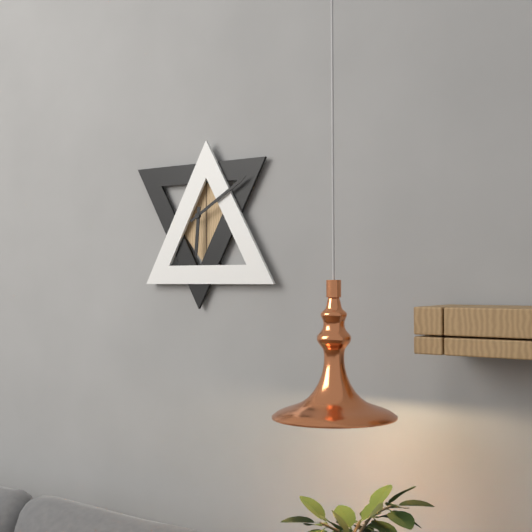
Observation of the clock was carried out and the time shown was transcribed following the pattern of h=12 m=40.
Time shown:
h=6 m=10
